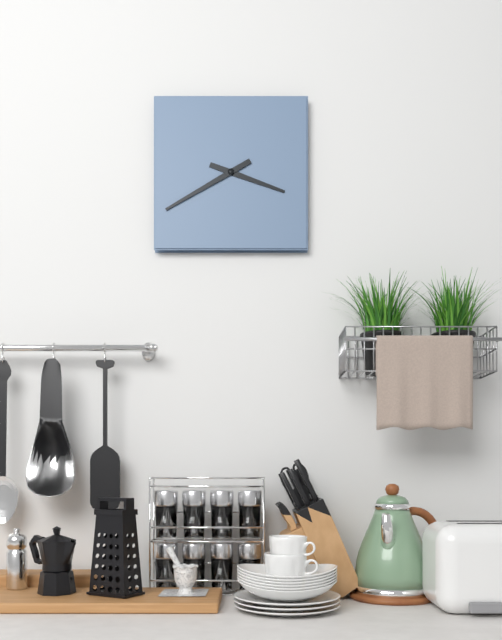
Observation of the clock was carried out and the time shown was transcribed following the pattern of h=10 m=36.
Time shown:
h=3 m=40
